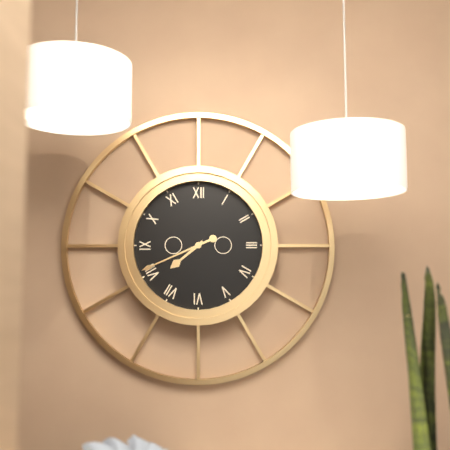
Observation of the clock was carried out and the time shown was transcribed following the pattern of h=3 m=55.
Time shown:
h=7 m=41
